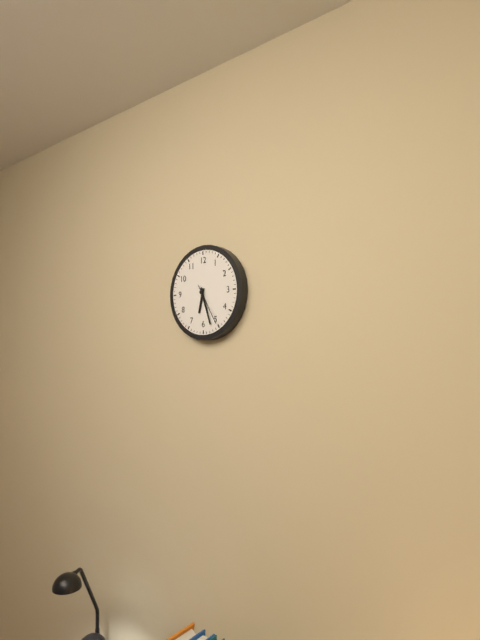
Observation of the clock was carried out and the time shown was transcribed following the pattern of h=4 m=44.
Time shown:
h=6 m=27
